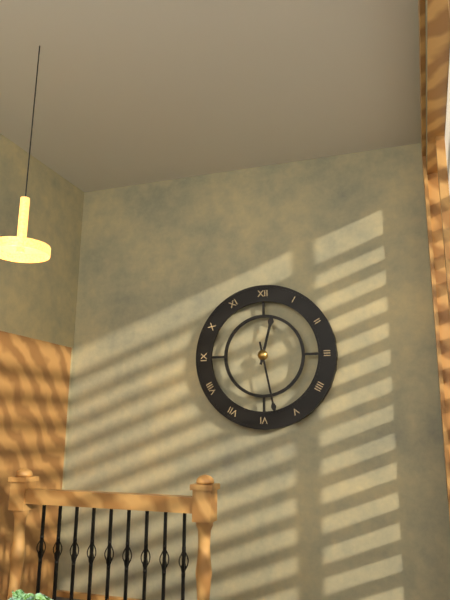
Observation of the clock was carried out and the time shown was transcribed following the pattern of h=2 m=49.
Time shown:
h=12 m=28
